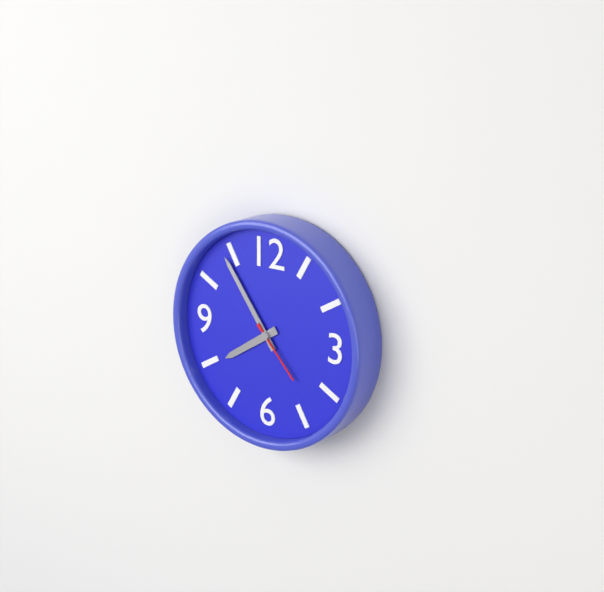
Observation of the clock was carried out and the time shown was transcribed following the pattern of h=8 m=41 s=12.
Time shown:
h=7 m=54 s=23
